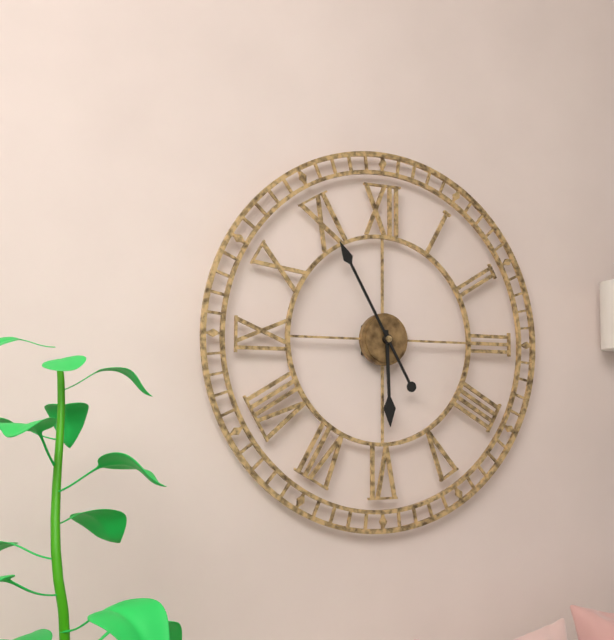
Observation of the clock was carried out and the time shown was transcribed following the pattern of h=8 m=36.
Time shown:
h=5 m=55
